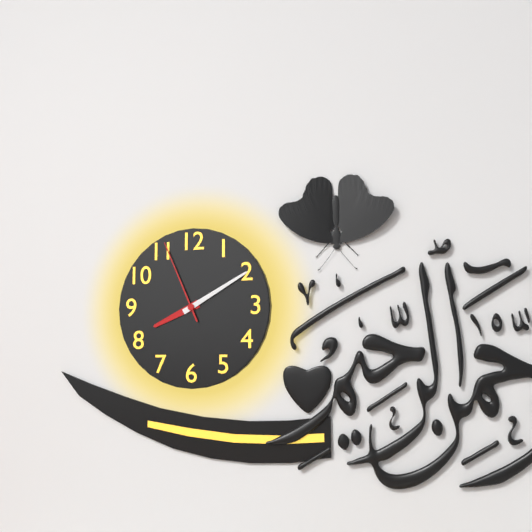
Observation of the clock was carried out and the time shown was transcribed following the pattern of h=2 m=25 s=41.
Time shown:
h=8 m=10 s=56
